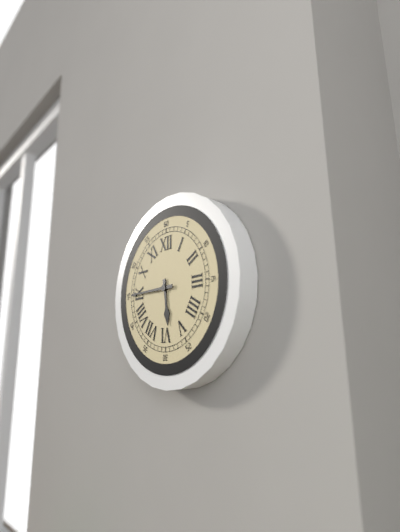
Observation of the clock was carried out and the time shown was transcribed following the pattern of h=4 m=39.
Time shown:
h=5 m=45
